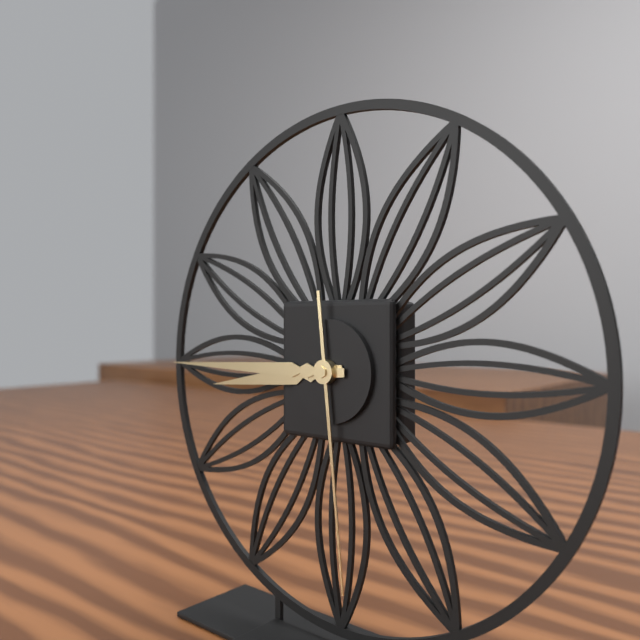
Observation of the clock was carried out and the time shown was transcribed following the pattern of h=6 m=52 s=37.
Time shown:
h=8 m=45 s=29
